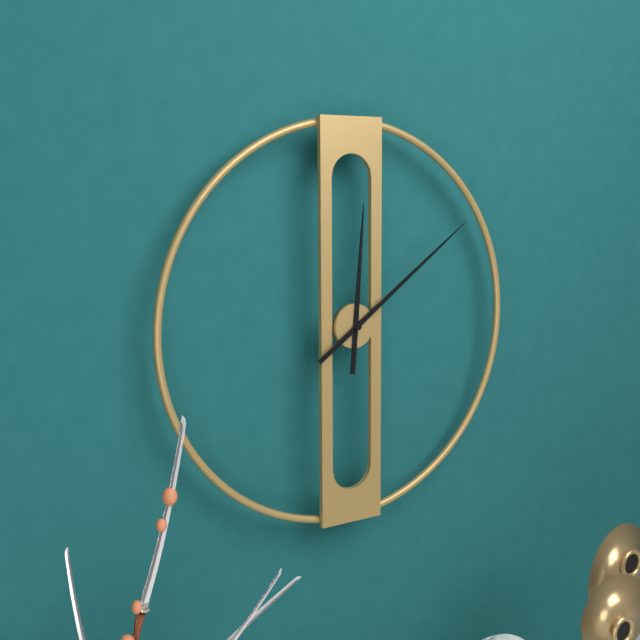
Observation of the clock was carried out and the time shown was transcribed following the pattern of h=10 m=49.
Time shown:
h=12 m=9
